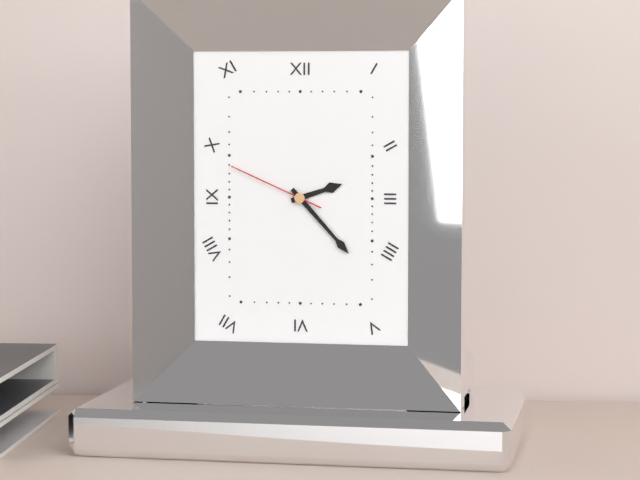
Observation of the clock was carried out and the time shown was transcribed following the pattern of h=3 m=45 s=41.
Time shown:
h=2 m=23 s=49
